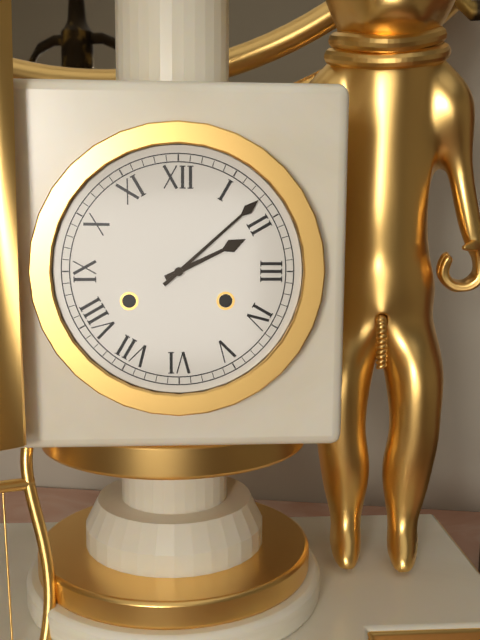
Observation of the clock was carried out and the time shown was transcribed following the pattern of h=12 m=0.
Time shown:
h=2 m=8
